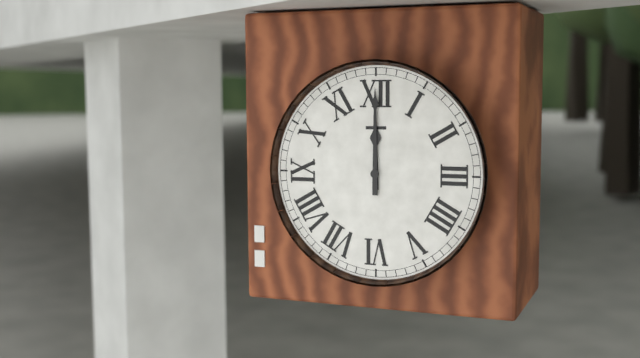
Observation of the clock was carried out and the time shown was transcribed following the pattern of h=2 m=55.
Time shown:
h=12 m=0
